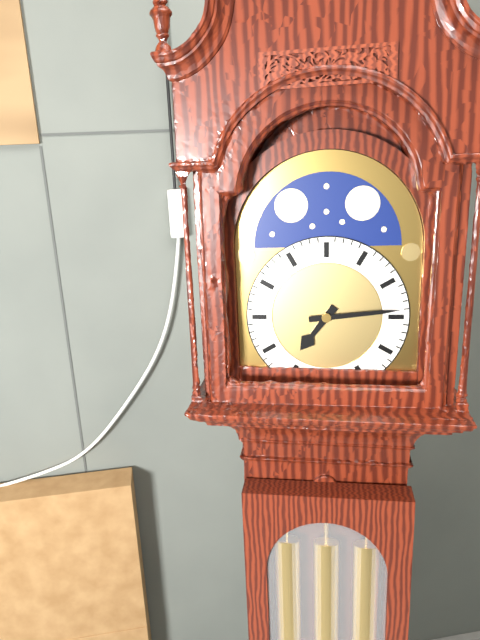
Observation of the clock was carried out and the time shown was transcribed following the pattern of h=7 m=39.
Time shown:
h=7 m=14
